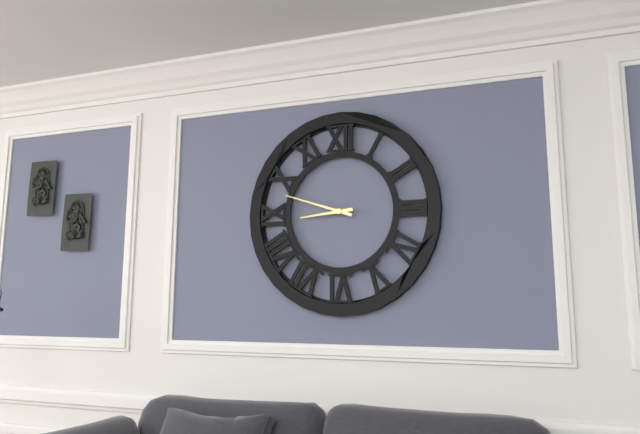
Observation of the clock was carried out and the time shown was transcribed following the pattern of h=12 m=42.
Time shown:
h=8 m=48
